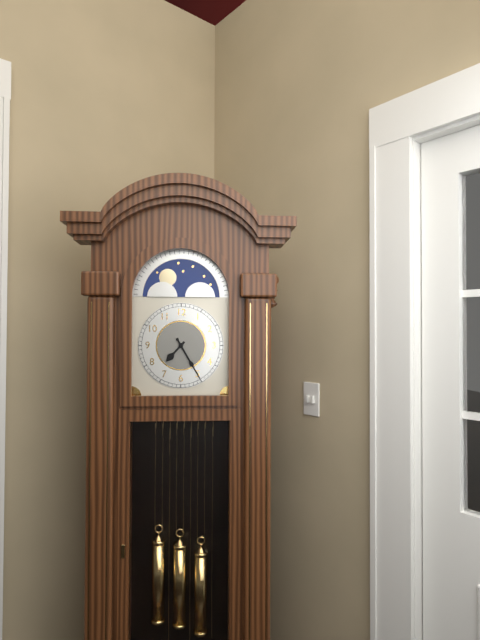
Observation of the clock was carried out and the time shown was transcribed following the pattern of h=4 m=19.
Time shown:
h=7 m=25
